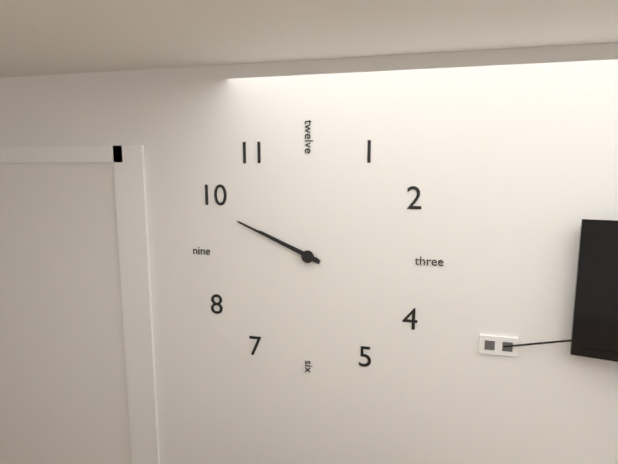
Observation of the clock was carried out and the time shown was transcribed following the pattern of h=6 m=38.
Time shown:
h=9 m=49
